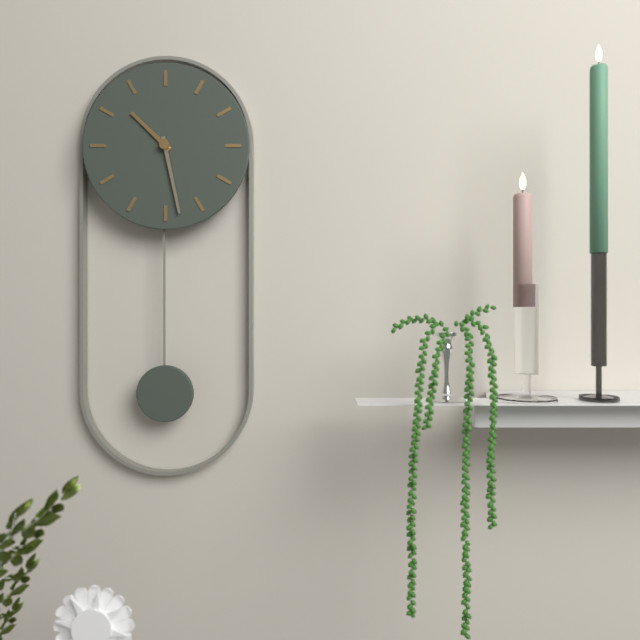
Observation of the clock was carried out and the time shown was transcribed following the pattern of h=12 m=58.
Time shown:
h=10 m=28
